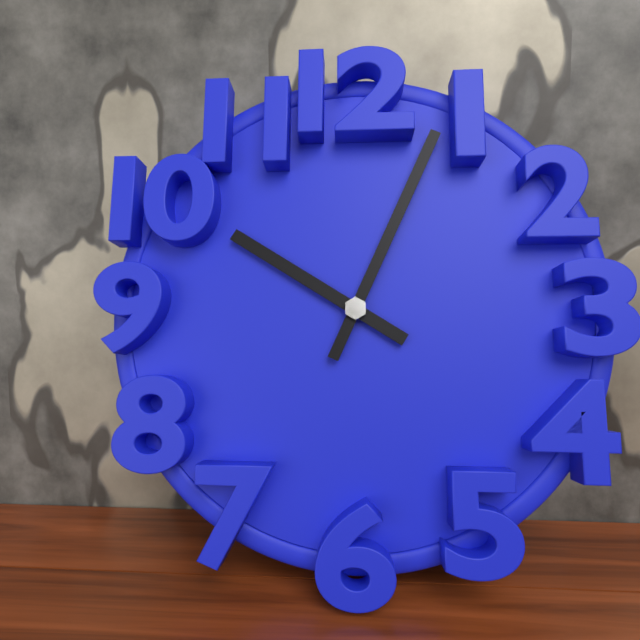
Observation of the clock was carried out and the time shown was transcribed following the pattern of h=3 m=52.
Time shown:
h=10 m=4
